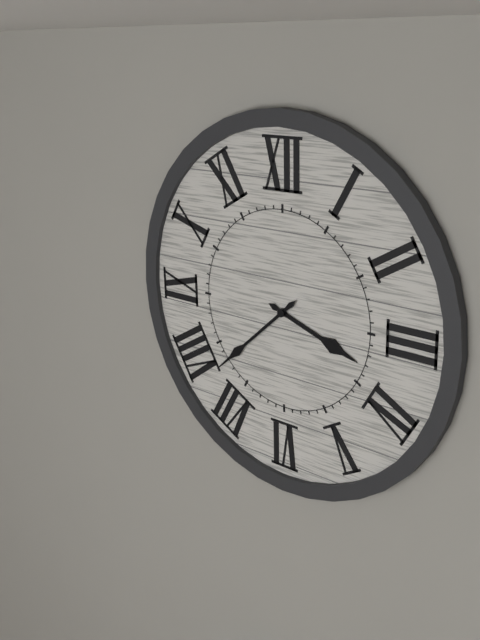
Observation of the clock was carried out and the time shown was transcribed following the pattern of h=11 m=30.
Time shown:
h=3 m=38
